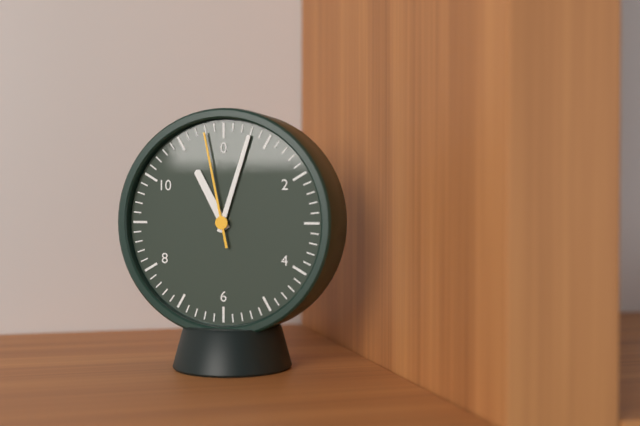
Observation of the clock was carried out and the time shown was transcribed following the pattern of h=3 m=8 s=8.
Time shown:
h=11 m=3 s=58
